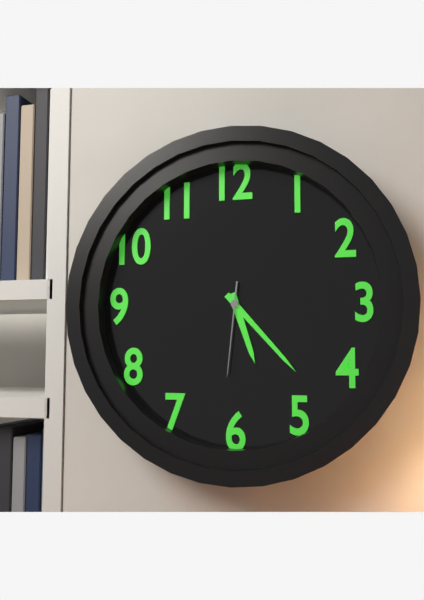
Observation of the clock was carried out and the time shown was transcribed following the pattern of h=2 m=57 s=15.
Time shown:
h=5 m=23 s=31
